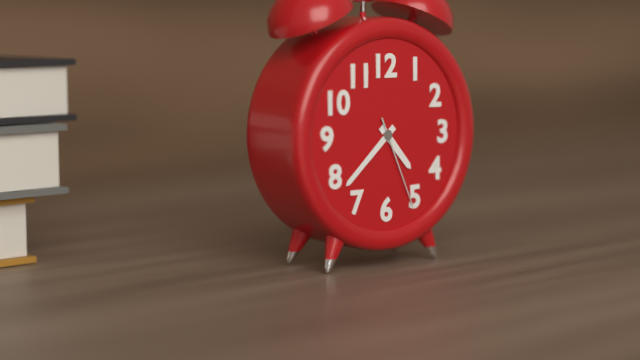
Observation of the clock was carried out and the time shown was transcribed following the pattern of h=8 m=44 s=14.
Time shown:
h=4 m=38 s=26
